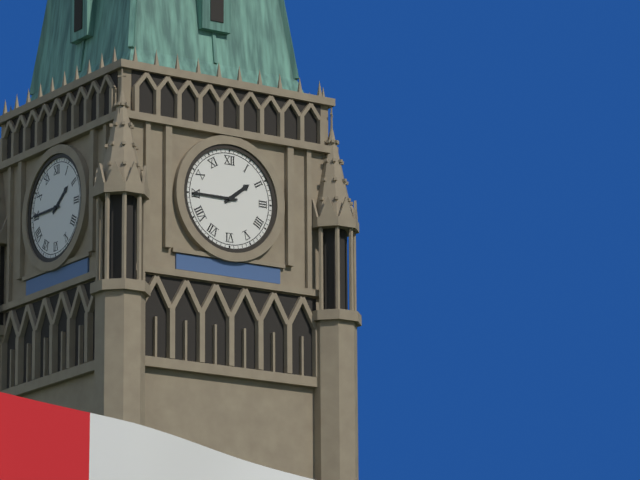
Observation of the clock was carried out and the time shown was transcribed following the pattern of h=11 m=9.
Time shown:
h=1 m=45
